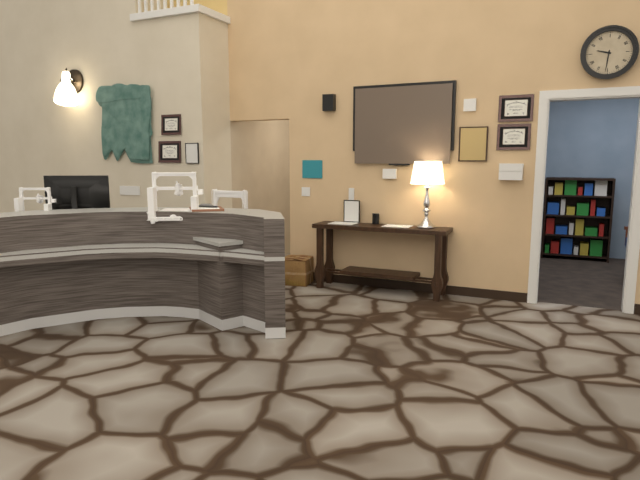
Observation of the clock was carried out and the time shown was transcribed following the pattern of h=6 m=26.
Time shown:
h=9 m=31
